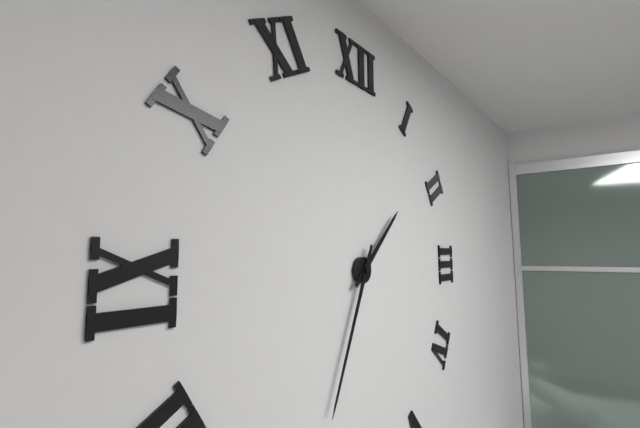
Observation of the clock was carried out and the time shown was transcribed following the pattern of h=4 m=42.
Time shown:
h=1 m=34
